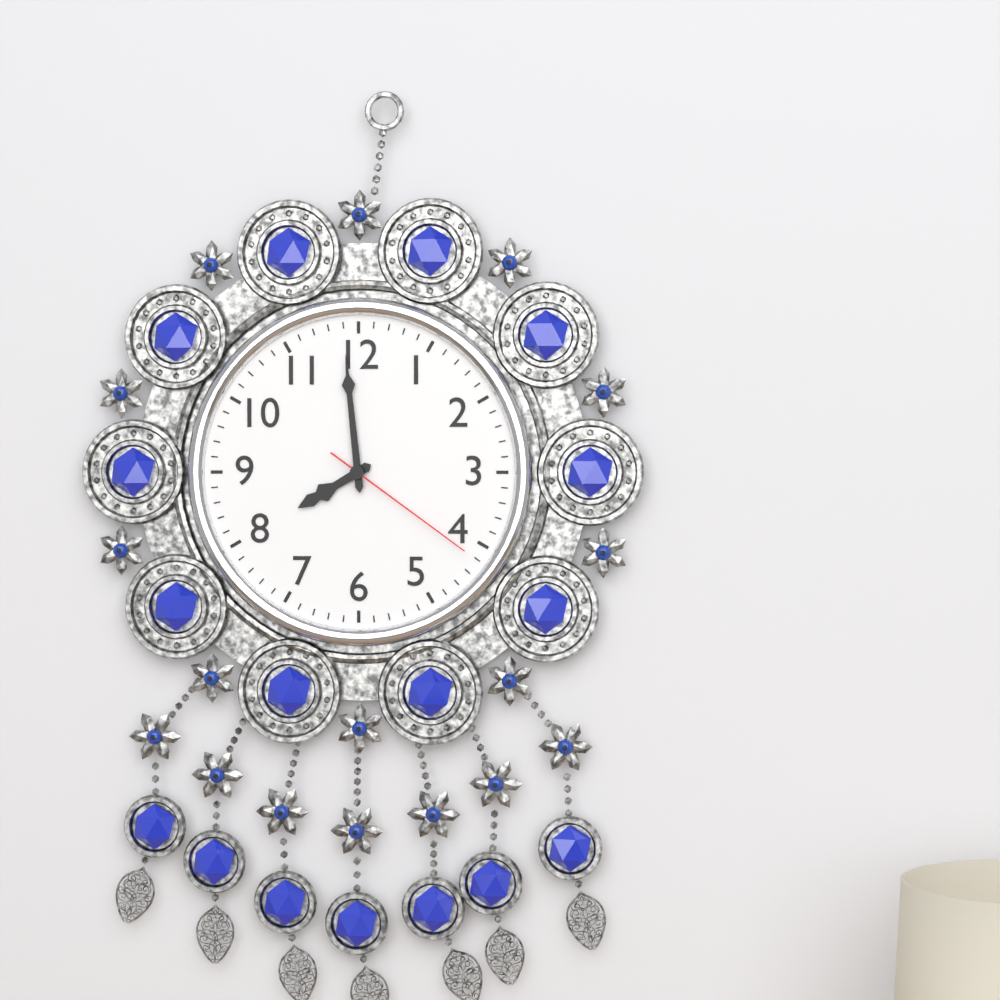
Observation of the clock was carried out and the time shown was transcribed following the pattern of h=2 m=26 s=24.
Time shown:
h=7 m=59 s=21
